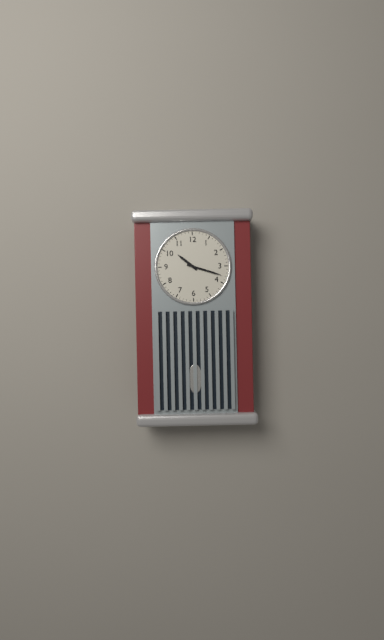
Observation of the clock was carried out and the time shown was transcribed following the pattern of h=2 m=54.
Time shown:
h=10 m=18
